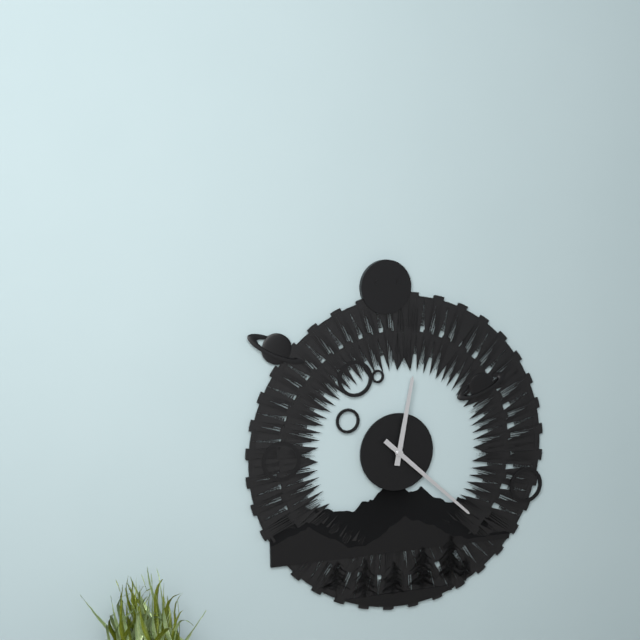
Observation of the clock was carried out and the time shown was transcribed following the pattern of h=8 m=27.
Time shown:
h=12 m=22
